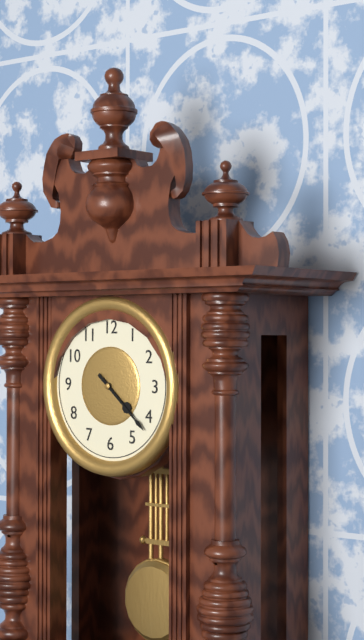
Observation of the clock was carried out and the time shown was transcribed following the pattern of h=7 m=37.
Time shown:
h=4 m=22
